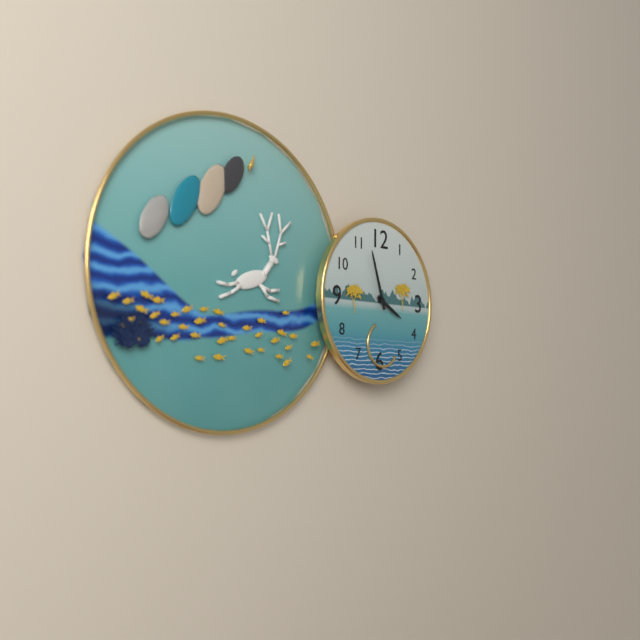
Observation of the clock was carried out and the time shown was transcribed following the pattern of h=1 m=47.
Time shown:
h=3 m=57
